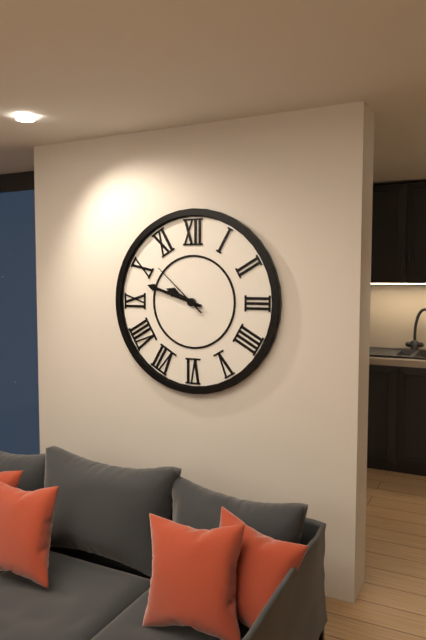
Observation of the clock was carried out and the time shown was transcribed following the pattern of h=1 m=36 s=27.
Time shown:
h=9 m=48 s=52
